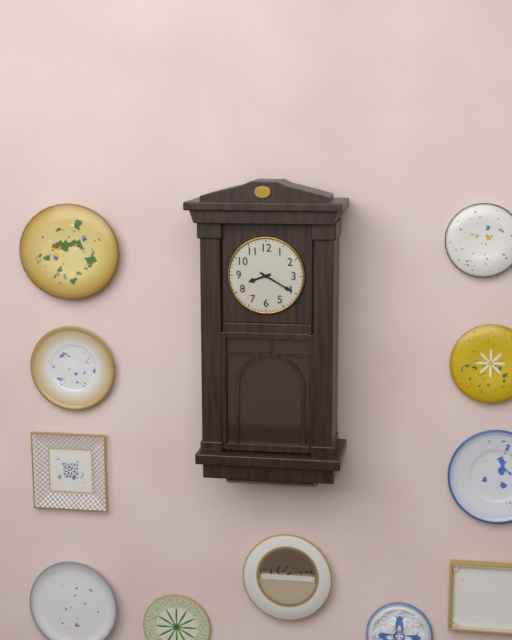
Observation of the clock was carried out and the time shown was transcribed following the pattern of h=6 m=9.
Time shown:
h=8 m=20
